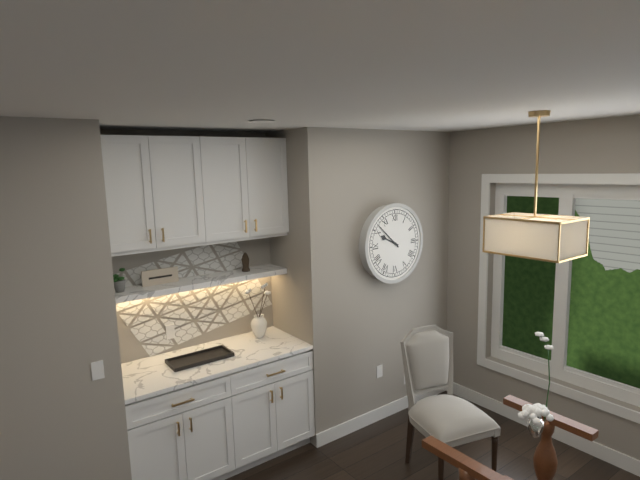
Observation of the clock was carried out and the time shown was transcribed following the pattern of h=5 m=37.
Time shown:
h=9 m=52
